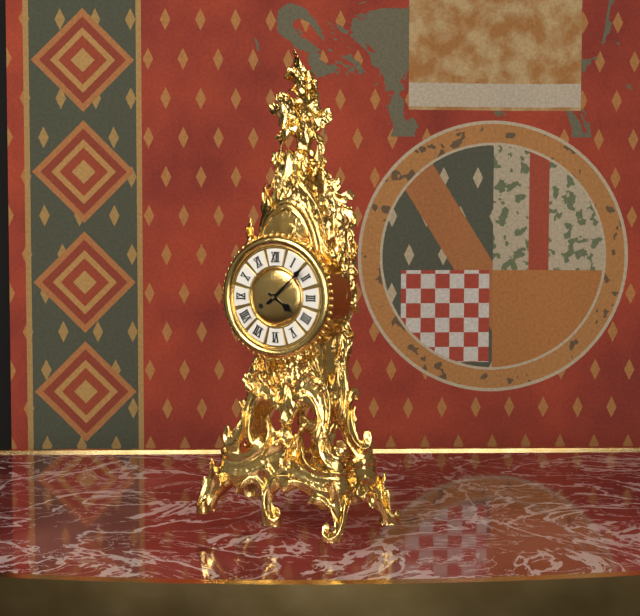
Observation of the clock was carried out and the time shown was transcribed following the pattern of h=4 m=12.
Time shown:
h=4 m=8
